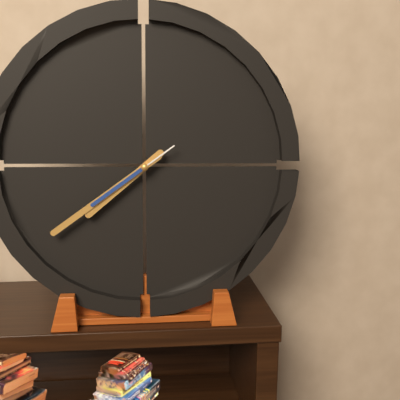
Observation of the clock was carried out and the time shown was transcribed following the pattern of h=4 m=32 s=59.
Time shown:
h=7 m=39 s=39
